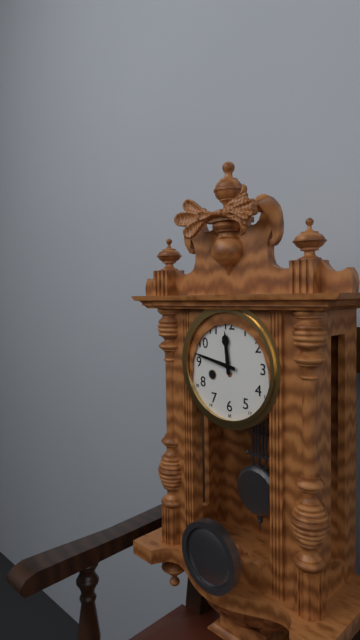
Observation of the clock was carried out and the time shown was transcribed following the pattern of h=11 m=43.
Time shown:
h=11 m=47
